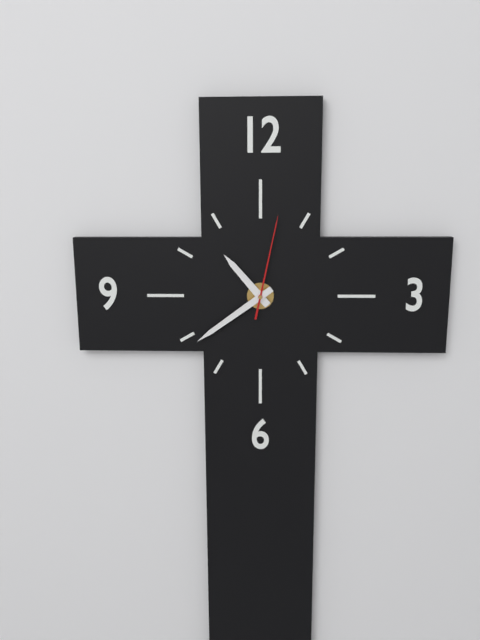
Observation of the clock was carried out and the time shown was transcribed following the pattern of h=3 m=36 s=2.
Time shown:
h=10 m=39 s=2
